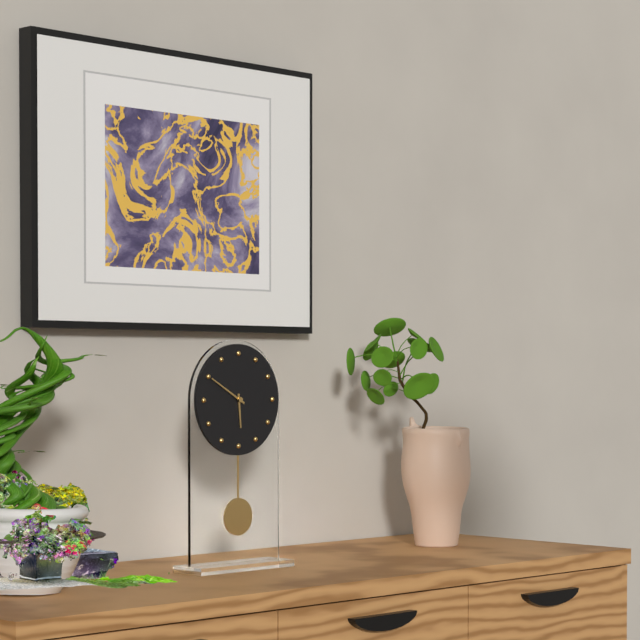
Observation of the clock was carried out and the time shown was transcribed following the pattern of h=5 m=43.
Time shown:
h=5 m=50
